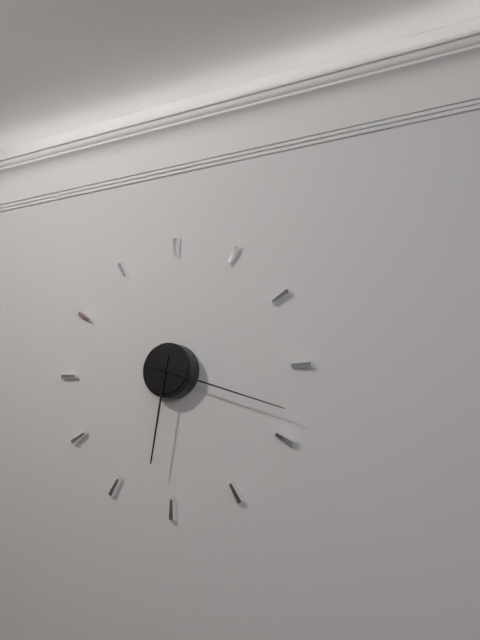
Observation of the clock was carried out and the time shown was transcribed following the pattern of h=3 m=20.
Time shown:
h=6 m=18
